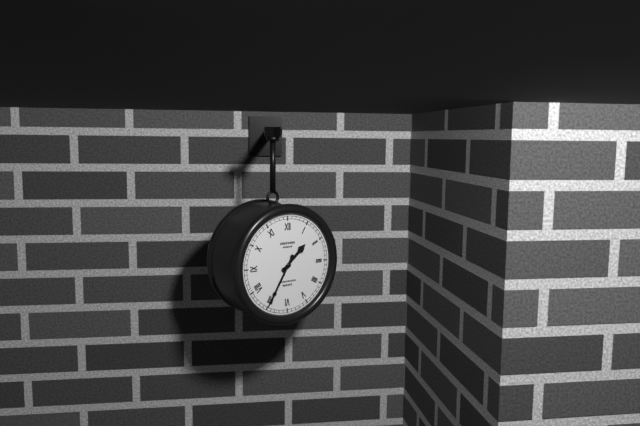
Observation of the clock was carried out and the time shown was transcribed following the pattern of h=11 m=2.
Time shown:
h=1 m=35
